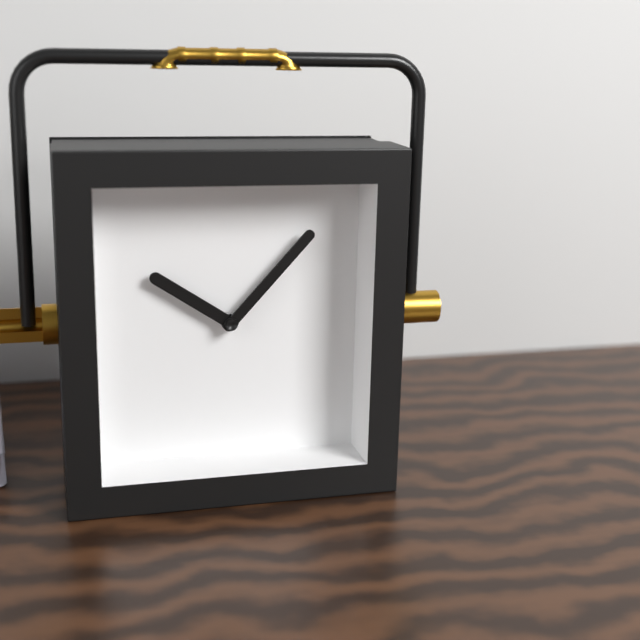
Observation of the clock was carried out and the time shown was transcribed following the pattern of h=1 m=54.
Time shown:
h=10 m=7
